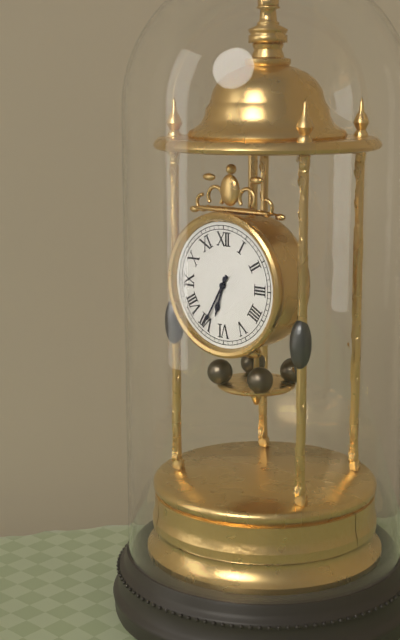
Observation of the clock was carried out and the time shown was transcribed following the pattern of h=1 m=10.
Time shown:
h=6 m=35
